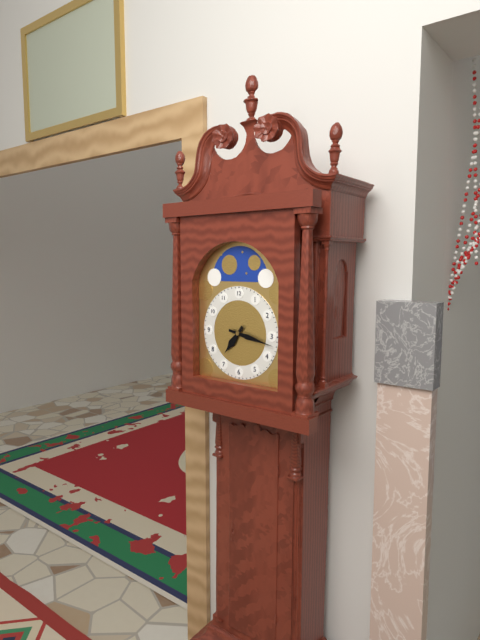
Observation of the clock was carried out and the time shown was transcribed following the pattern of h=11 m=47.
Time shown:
h=7 m=17
